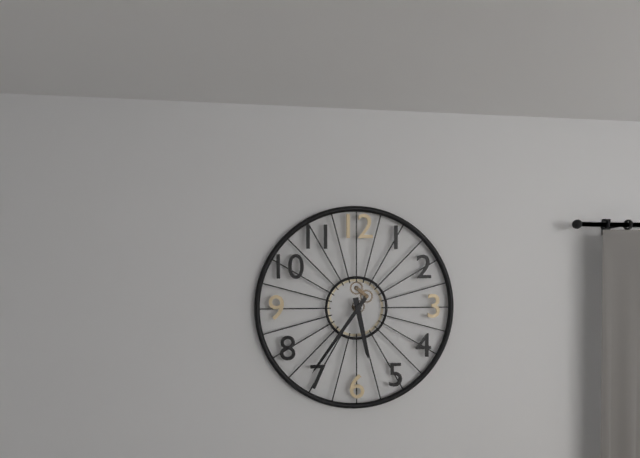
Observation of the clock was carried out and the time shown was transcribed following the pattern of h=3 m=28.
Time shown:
h=5 m=36
